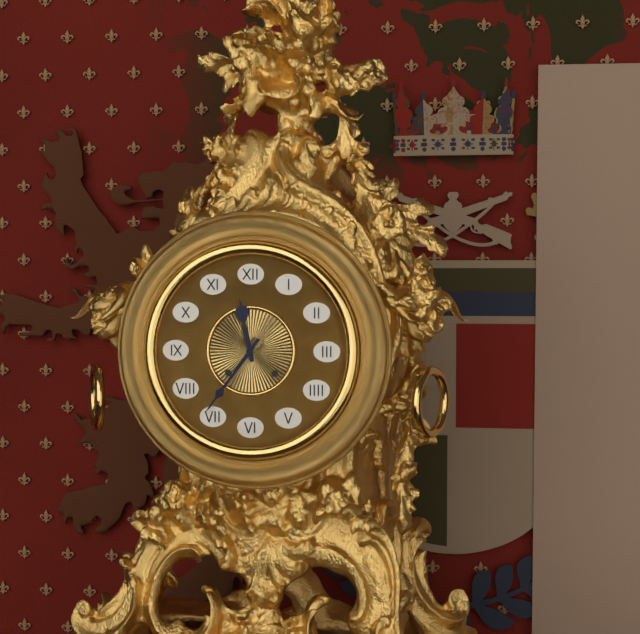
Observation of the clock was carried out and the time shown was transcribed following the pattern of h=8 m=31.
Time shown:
h=11 m=36
